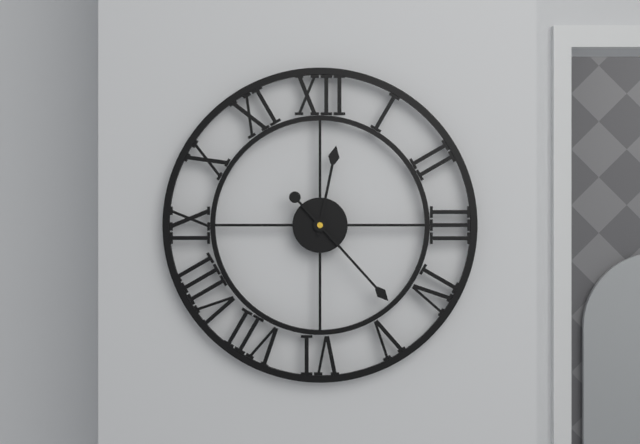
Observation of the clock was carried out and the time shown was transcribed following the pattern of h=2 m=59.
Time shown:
h=12 m=23
